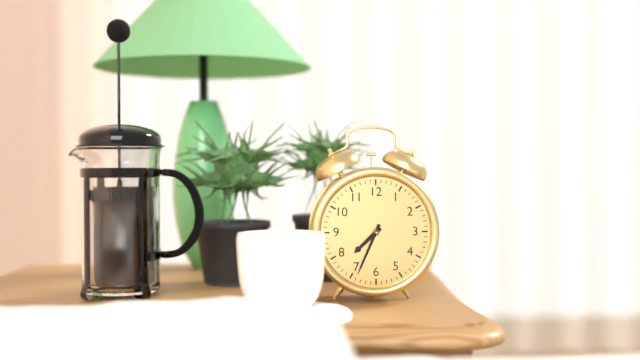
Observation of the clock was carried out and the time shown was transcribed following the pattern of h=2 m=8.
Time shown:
h=7 m=34
